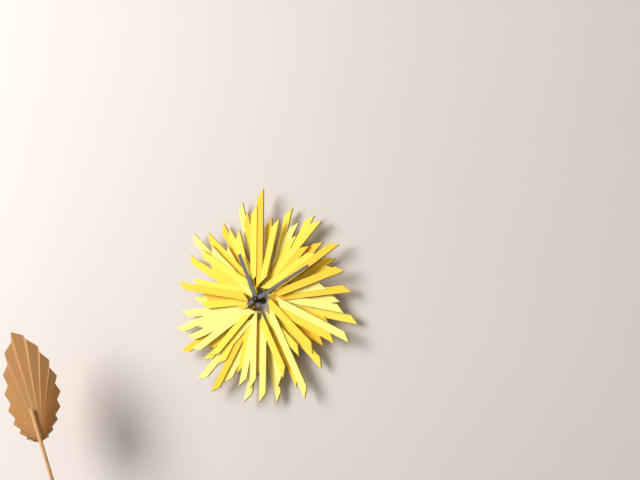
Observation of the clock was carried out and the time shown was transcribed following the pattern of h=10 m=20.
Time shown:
h=11 m=11
